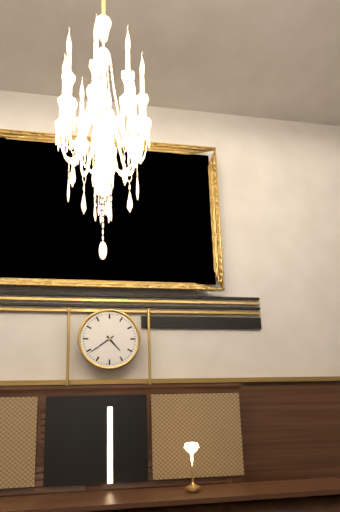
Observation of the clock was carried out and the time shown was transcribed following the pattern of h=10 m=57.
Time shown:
h=4 m=39
